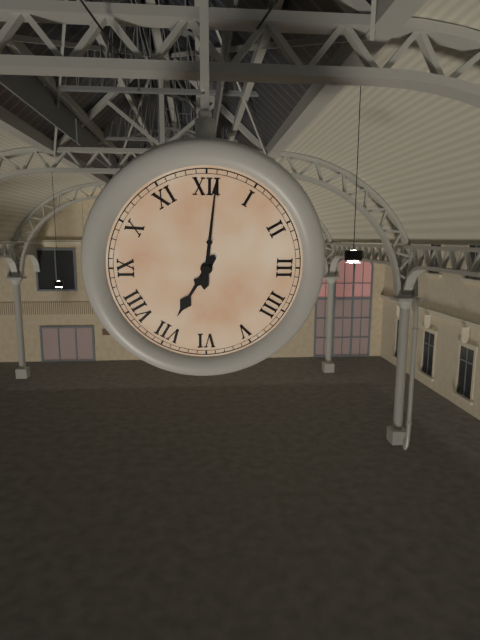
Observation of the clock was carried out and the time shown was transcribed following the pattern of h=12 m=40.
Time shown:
h=7 m=1
